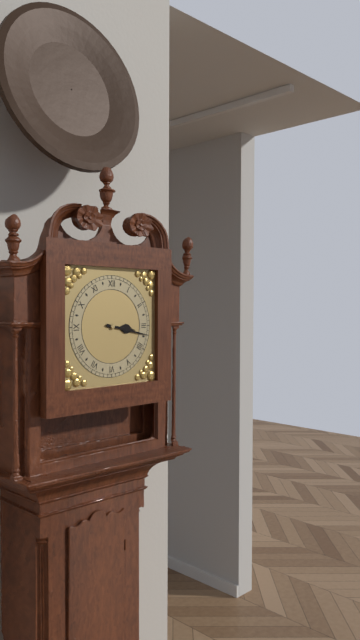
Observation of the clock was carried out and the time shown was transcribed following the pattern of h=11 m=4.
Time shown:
h=3 m=17
